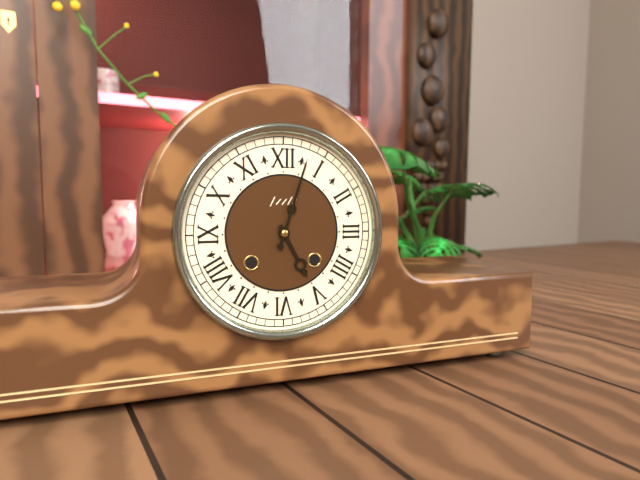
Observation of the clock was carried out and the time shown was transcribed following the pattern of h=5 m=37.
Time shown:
h=5 m=3
